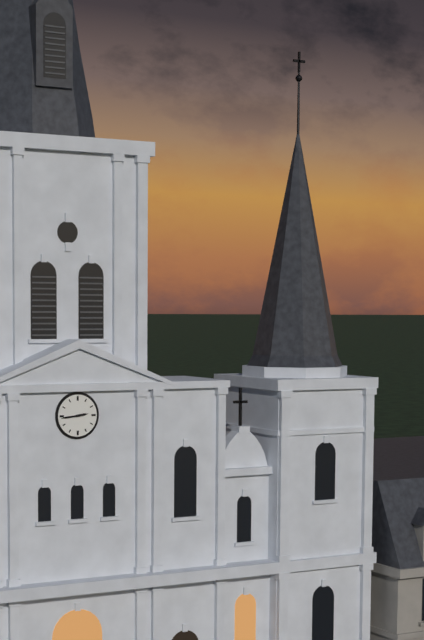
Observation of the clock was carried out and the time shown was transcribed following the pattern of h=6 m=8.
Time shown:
h=2 m=44
